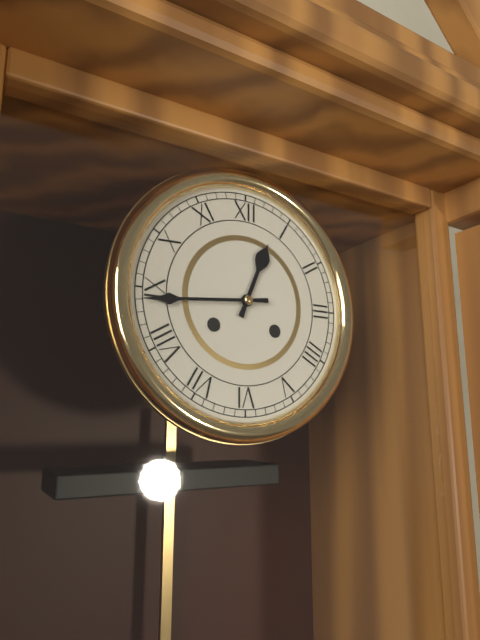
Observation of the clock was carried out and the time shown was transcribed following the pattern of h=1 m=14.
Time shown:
h=12 m=44
